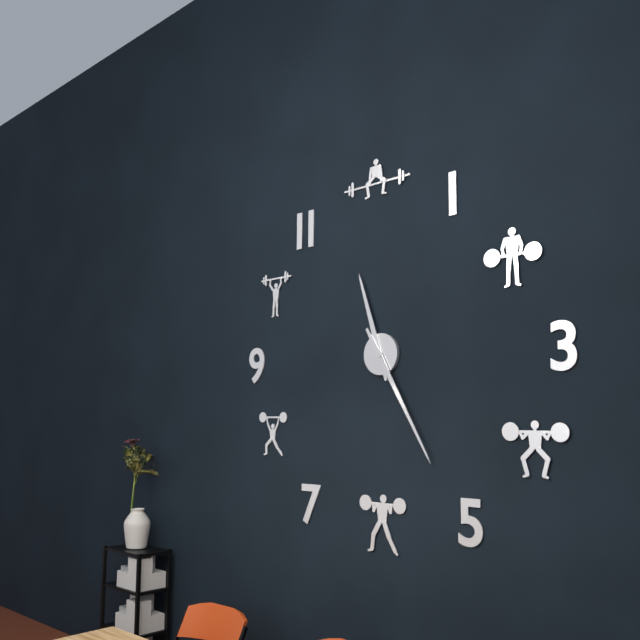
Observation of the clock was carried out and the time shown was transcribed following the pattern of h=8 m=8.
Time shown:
h=11 m=25
